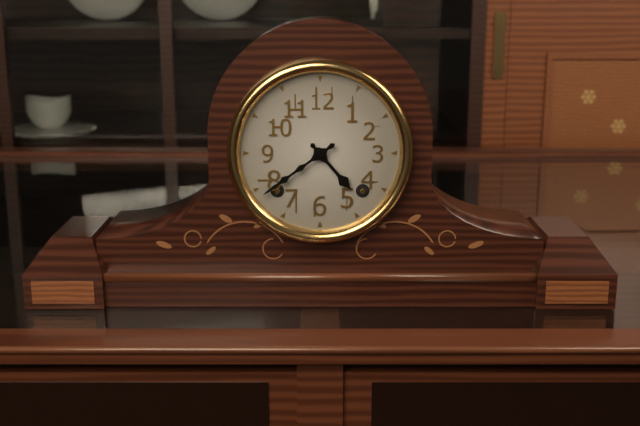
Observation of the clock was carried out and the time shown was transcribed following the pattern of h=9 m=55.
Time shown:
h=4 m=39
